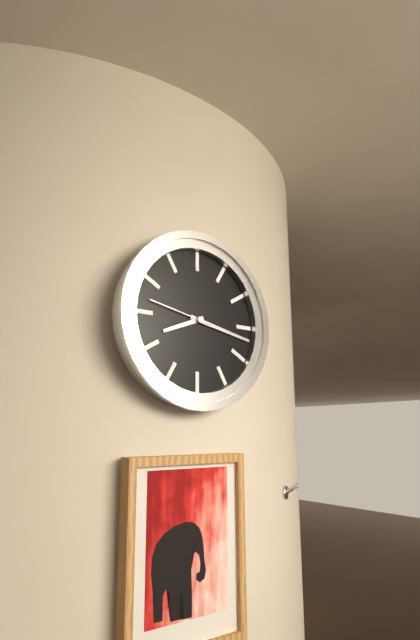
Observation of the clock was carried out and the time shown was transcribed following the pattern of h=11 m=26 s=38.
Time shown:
h=8 m=17 s=47
